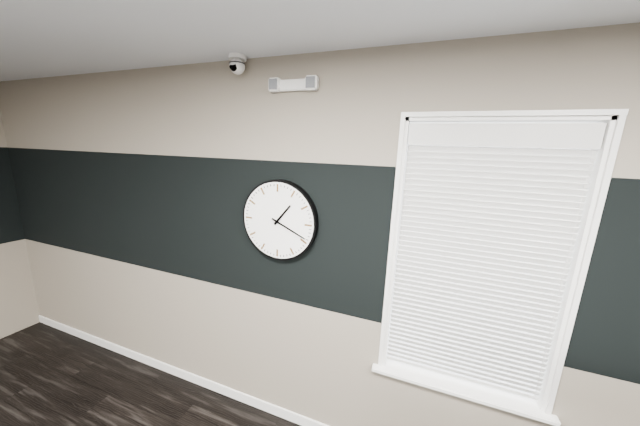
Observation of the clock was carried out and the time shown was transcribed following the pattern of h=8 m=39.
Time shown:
h=1 m=19
